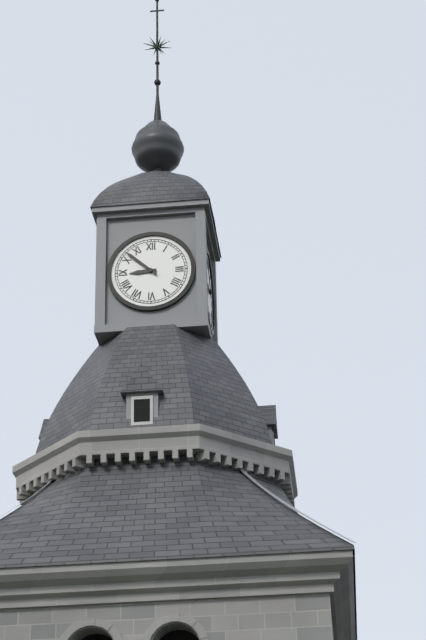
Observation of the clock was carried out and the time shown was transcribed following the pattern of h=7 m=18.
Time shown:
h=8 m=52
